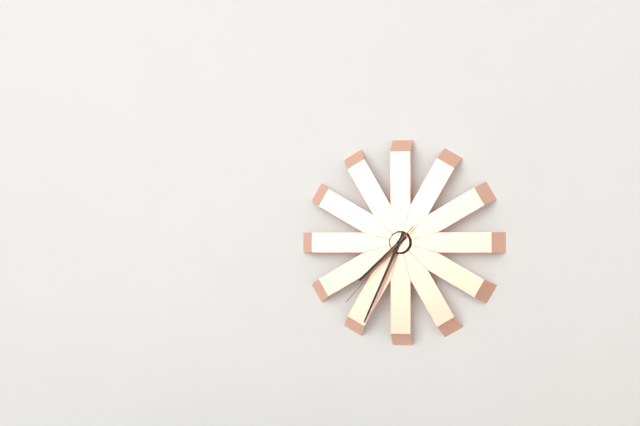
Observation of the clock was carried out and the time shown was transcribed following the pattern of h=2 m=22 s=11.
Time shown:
h=7 m=34 s=37
